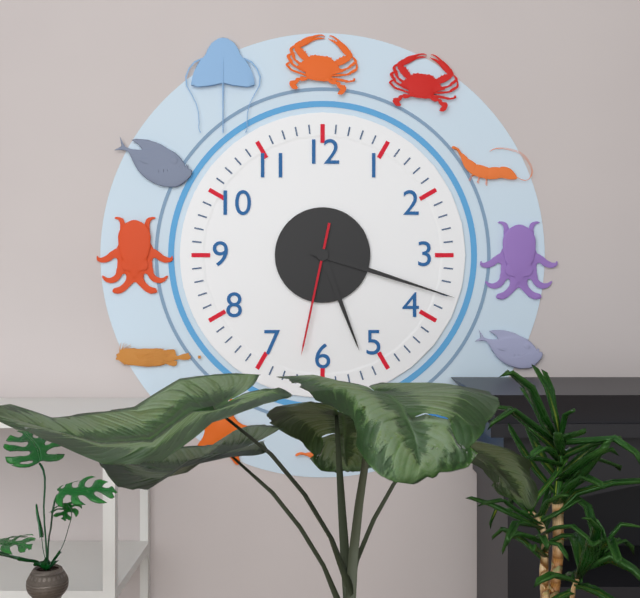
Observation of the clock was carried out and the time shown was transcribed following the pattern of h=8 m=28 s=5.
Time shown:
h=5 m=18 s=32
